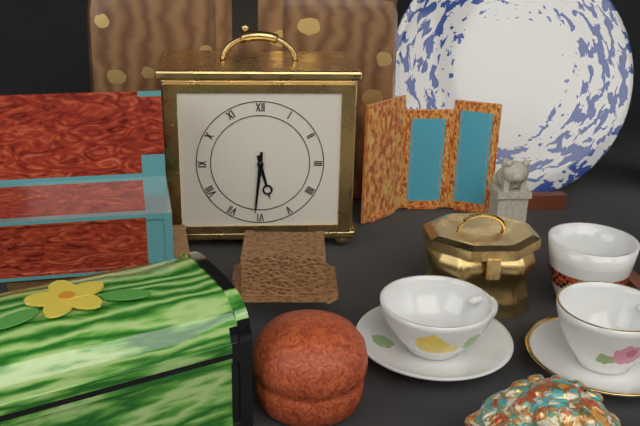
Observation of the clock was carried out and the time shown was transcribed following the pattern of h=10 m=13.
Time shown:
h=5 m=31
